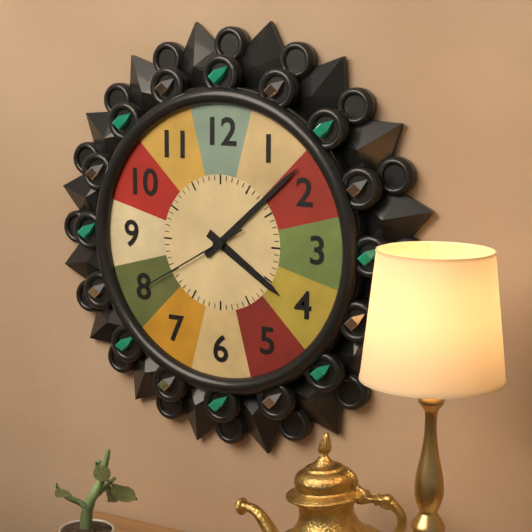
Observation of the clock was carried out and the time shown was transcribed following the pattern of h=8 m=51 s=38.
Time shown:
h=4 m=8 s=40
